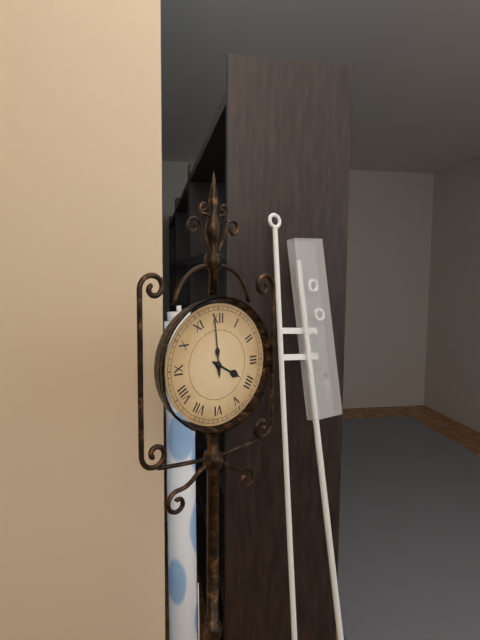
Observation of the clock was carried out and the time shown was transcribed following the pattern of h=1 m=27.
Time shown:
h=3 m=59
